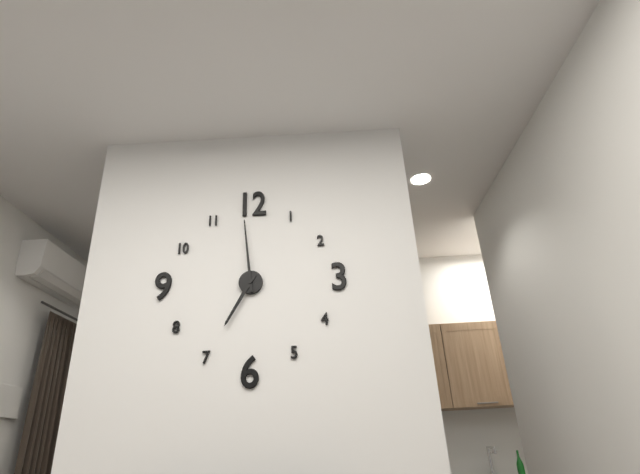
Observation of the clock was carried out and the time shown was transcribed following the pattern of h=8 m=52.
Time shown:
h=6 m=59
